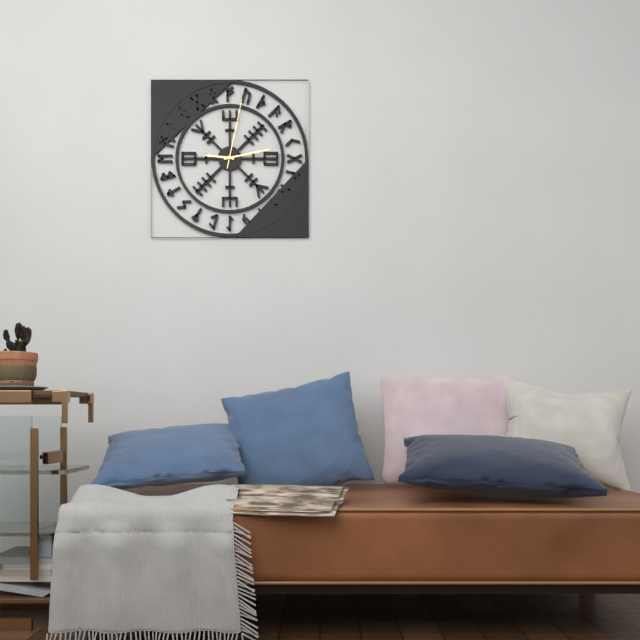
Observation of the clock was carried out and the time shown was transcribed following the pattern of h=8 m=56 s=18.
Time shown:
h=9 m=13 s=2
